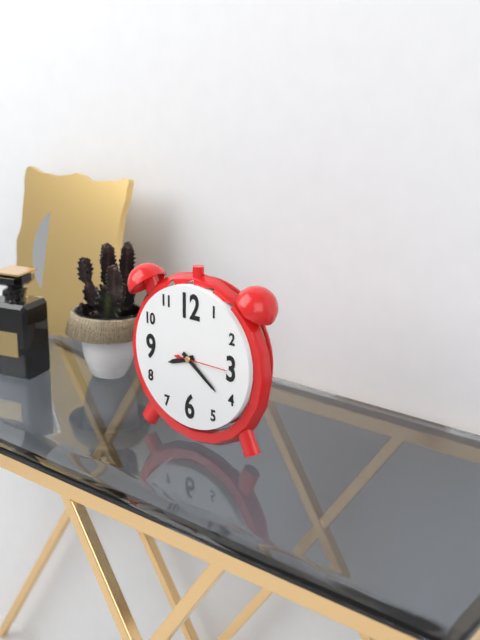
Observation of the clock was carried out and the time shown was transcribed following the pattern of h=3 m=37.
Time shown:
h=8 m=21
